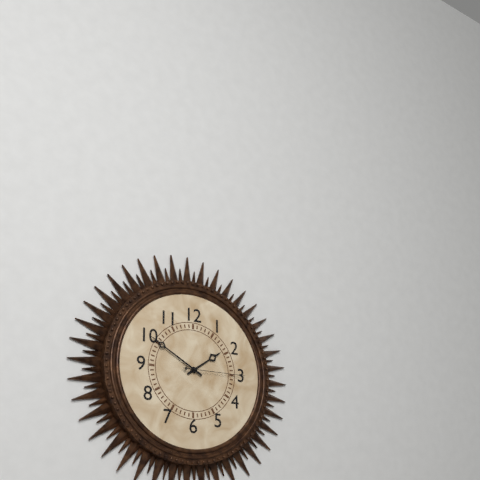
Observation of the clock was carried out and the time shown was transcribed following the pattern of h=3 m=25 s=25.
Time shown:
h=1 m=50 s=15
